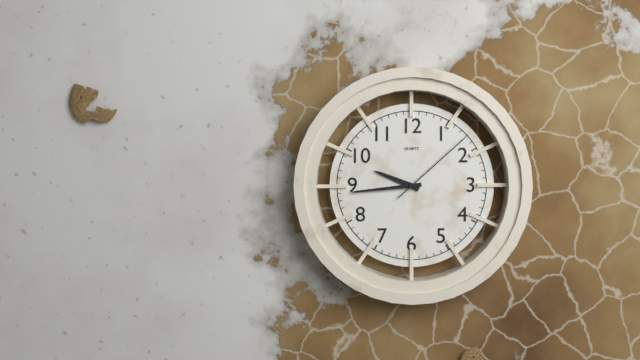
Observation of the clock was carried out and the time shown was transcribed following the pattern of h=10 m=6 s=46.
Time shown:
h=9 m=44 s=8
